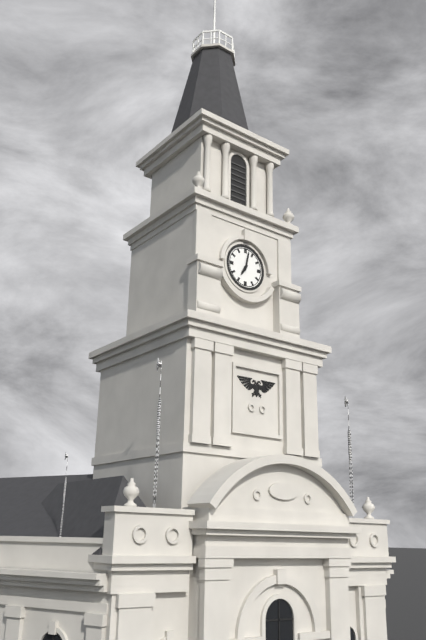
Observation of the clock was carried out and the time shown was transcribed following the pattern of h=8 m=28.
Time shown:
h=7 m=2
